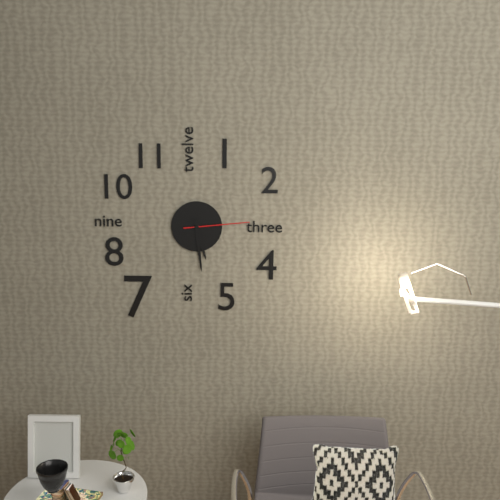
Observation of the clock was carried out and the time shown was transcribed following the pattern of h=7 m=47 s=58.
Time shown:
h=5 m=29 s=14
